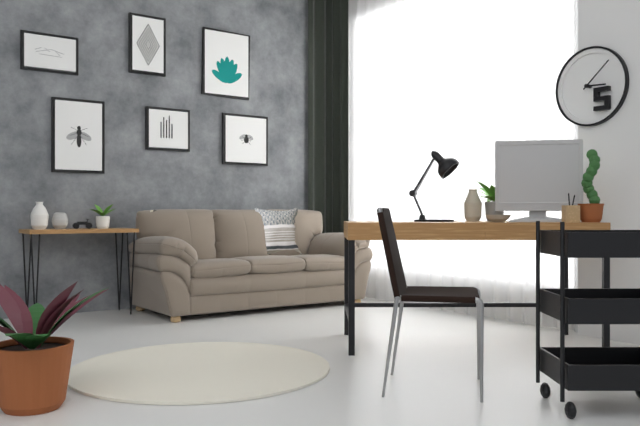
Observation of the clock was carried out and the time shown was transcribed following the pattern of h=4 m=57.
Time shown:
h=3 m=8
